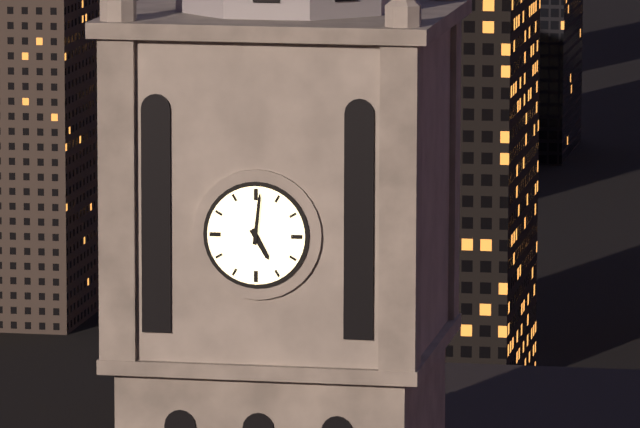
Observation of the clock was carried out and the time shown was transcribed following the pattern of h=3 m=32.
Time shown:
h=5 m=1
